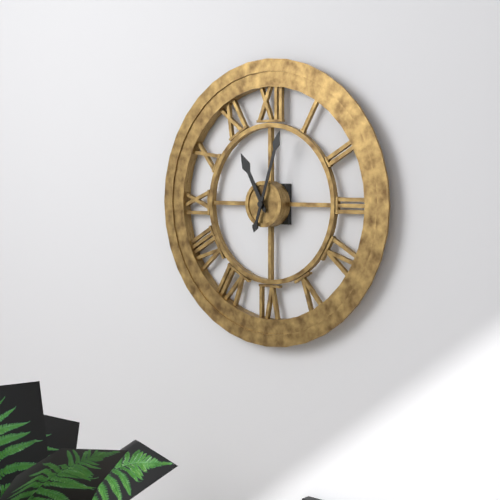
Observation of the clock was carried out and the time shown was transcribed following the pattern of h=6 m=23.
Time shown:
h=11 m=3
